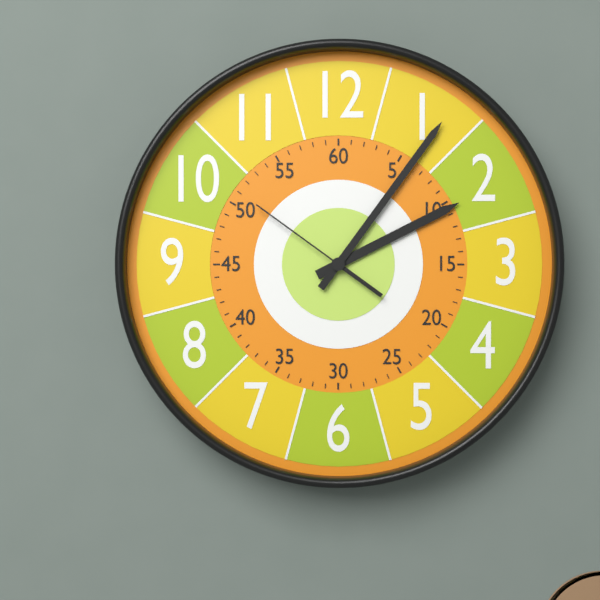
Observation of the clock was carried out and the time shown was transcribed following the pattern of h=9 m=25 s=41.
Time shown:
h=2 m=6 s=51
